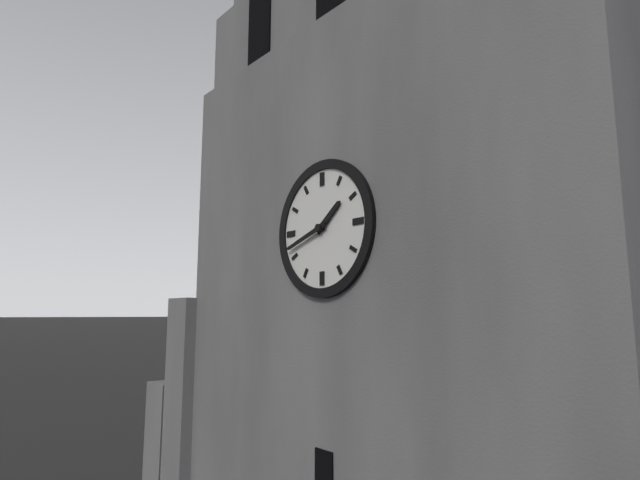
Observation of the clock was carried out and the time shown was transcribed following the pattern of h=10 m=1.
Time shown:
h=1 m=42
